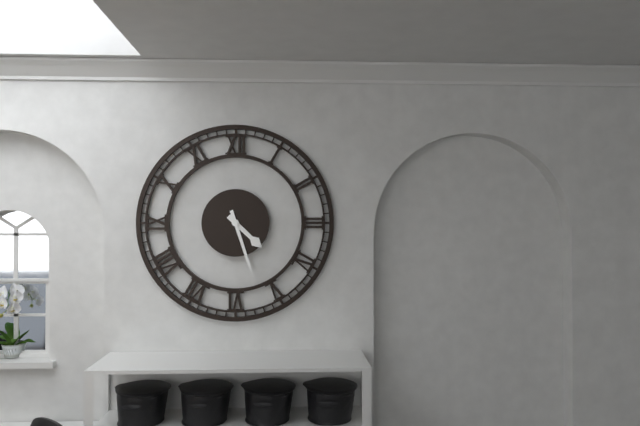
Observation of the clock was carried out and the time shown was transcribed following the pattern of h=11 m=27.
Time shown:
h=4 m=27
